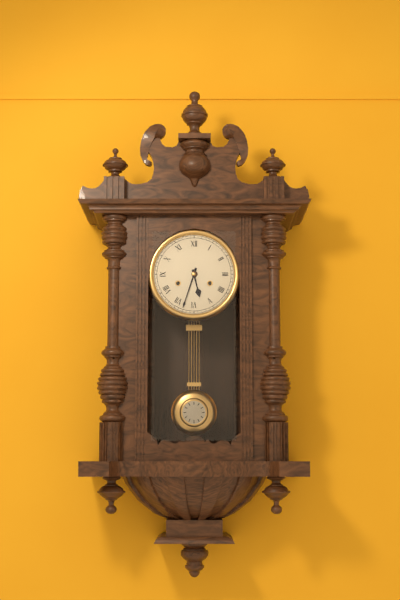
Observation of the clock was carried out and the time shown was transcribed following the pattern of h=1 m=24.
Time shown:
h=5 m=33
